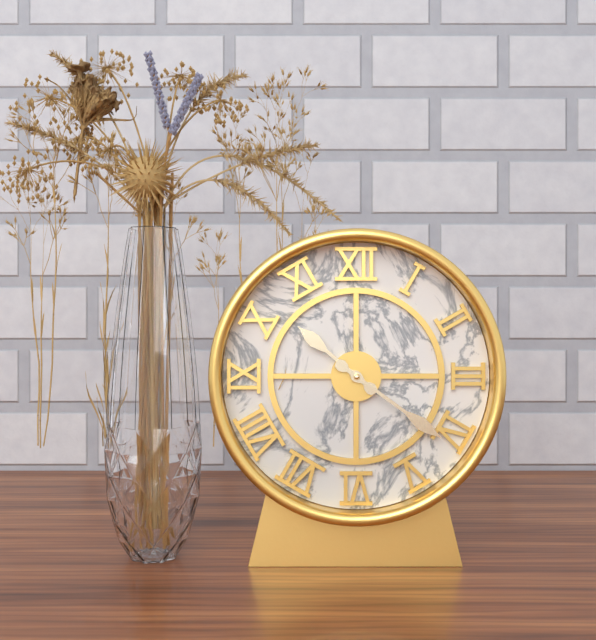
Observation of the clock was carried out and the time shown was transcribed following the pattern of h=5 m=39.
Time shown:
h=10 m=21
